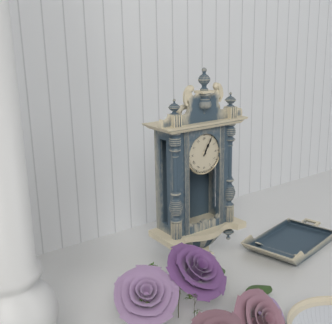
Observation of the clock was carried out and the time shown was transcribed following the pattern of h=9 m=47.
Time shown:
h=1 m=5
